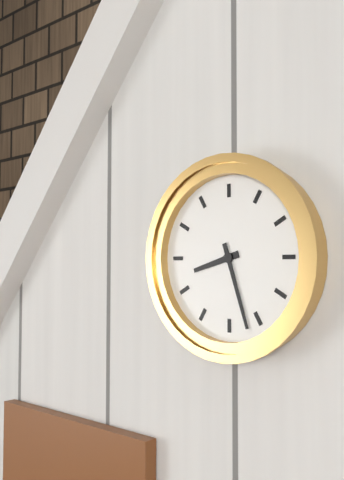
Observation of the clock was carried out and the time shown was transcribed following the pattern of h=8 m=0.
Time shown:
h=8 m=27
